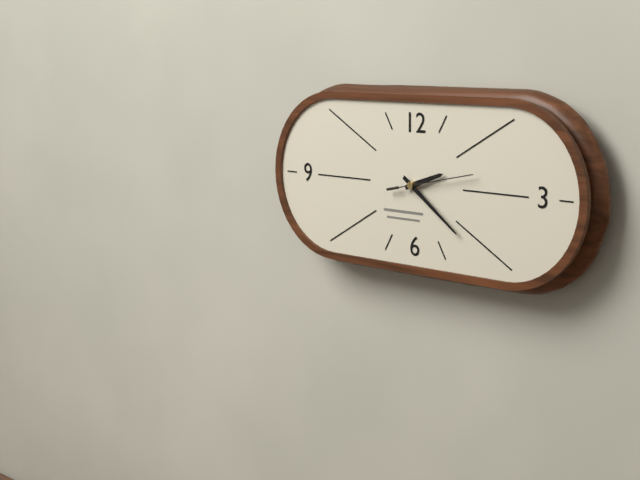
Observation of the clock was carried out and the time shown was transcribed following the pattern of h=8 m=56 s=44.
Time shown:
h=2 m=21 s=13
